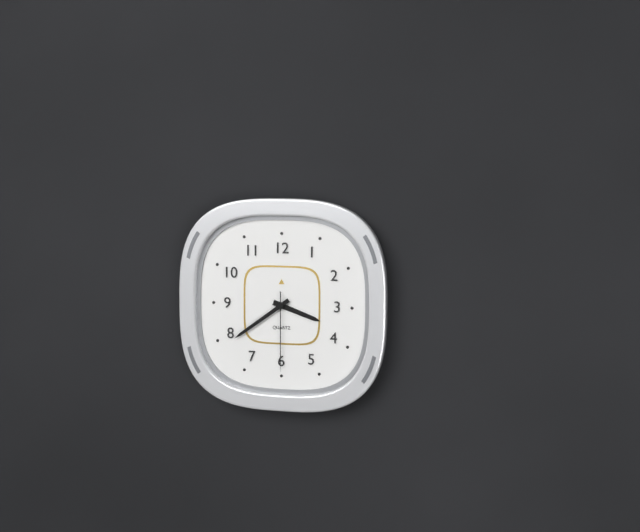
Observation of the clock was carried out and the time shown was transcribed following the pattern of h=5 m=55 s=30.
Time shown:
h=3 m=39 s=30
